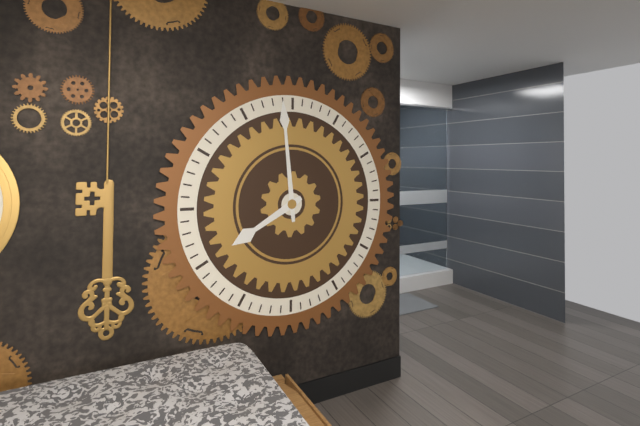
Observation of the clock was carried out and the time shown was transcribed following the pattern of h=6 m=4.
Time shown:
h=7 m=59
